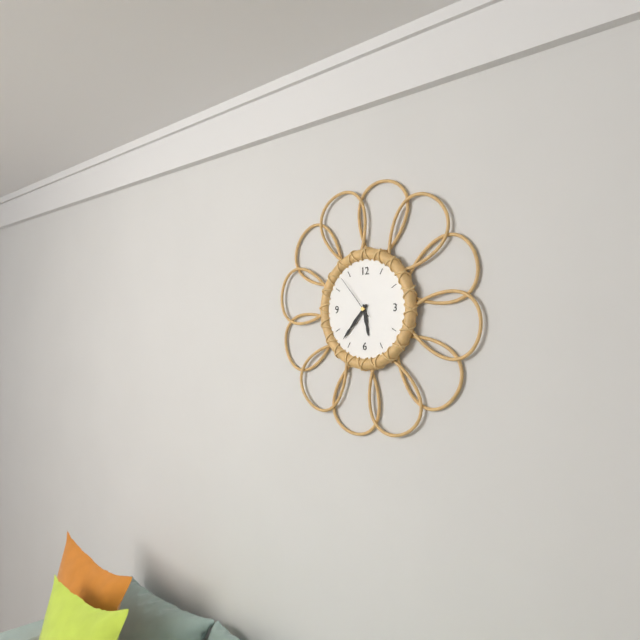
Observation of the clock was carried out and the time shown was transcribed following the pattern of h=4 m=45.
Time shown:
h=5 m=37
